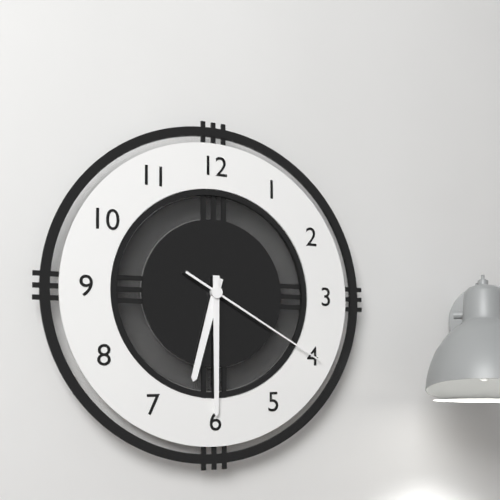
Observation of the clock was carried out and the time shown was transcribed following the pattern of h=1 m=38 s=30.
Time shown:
h=6 m=30 s=20
